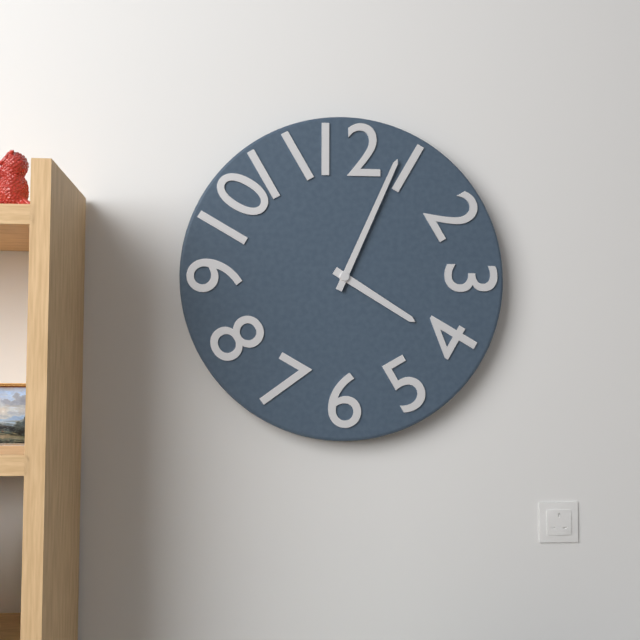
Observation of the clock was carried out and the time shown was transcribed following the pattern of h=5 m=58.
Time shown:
h=4 m=4
